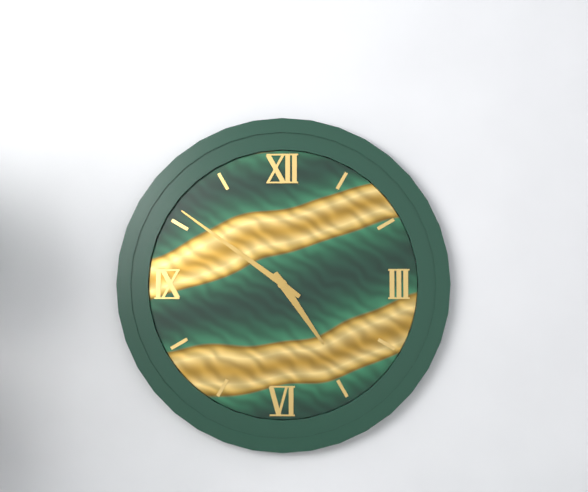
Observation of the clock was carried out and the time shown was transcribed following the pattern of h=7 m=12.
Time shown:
h=4 m=51
